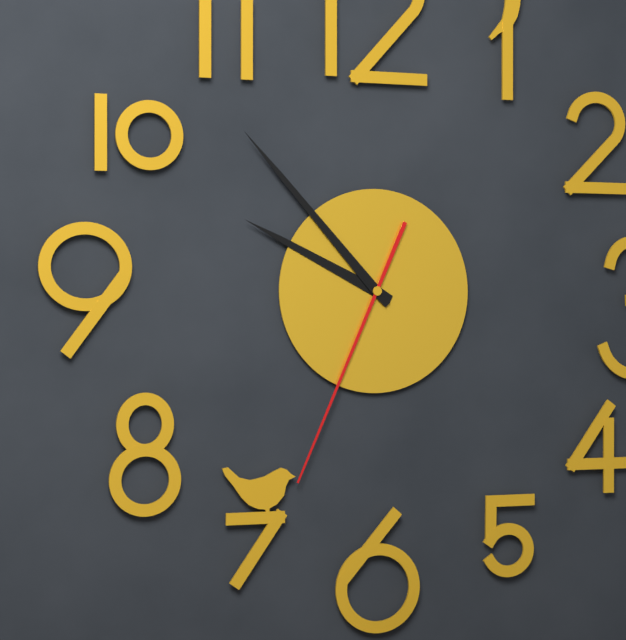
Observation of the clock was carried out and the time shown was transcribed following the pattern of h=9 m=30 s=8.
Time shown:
h=9 m=53 s=34
